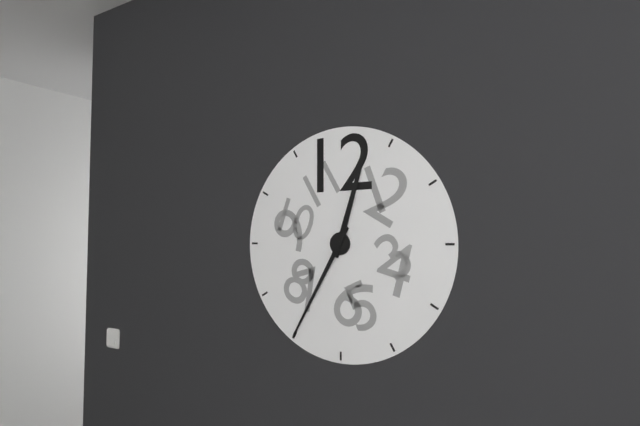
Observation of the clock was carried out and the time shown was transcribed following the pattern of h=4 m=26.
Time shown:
h=12 m=35
